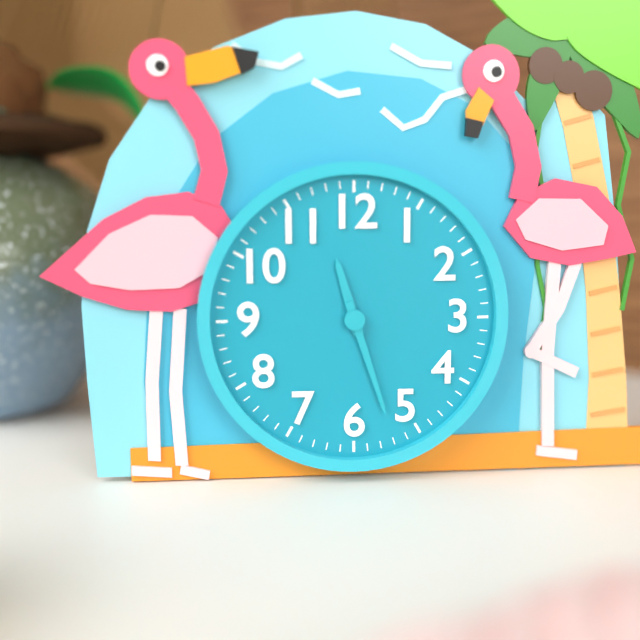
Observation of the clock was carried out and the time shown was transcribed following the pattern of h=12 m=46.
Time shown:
h=11 m=27
